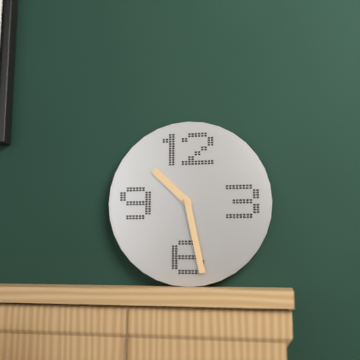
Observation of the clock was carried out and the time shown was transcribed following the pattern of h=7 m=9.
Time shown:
h=10 m=28
